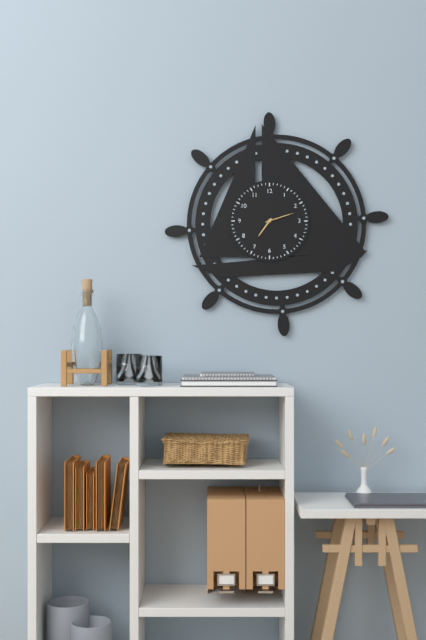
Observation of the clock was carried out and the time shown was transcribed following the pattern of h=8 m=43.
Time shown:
h=7 m=12
